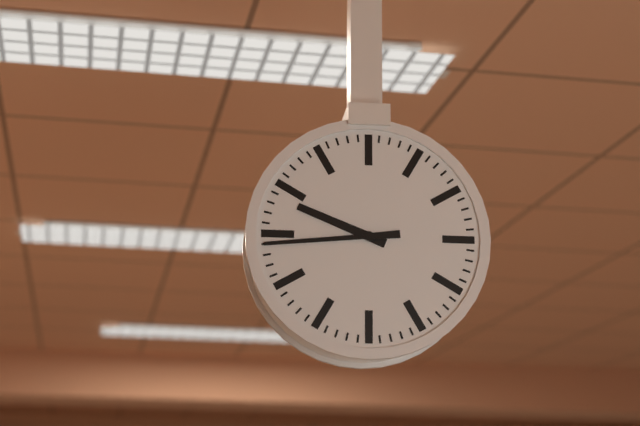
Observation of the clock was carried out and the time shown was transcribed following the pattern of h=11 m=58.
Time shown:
h=9 m=44
